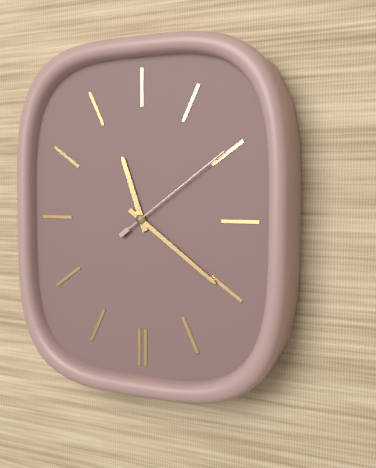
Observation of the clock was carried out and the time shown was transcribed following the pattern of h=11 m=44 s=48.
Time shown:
h=11 m=21 s=9
